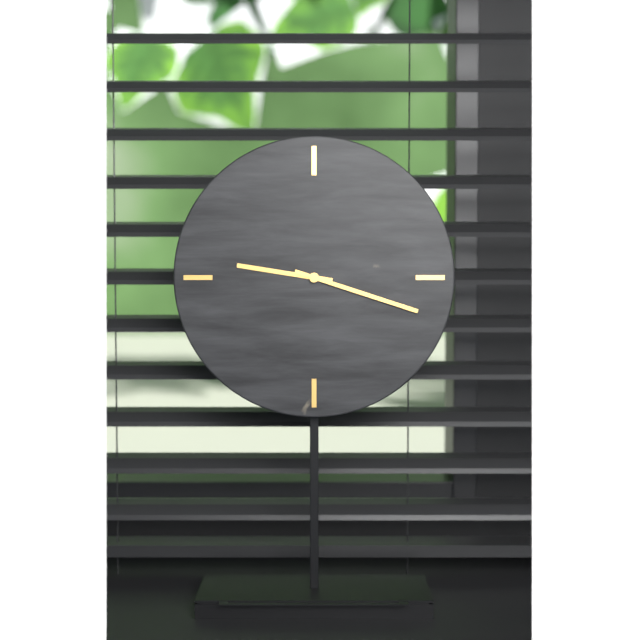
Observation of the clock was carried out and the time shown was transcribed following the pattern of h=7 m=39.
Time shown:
h=9 m=18
